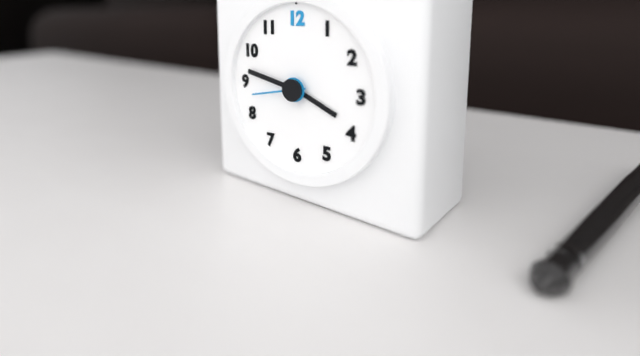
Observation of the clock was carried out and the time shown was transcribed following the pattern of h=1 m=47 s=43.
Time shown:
h=3 m=47 s=43
